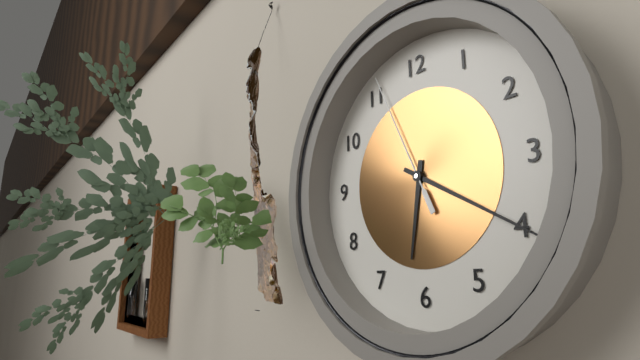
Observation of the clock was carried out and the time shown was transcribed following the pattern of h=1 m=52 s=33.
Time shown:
h=6 m=20 s=56
